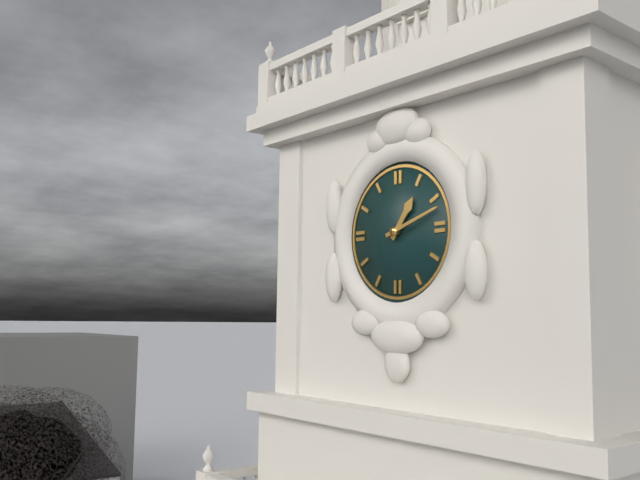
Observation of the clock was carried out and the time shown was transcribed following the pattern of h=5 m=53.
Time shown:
h=1 m=12
